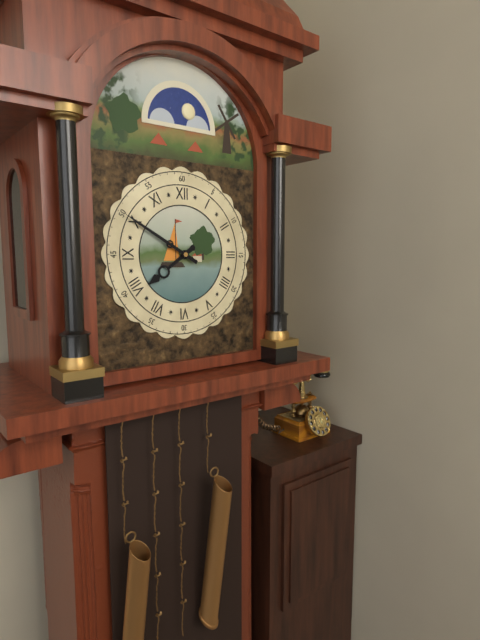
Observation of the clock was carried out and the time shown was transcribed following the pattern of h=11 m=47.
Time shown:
h=7 m=50
